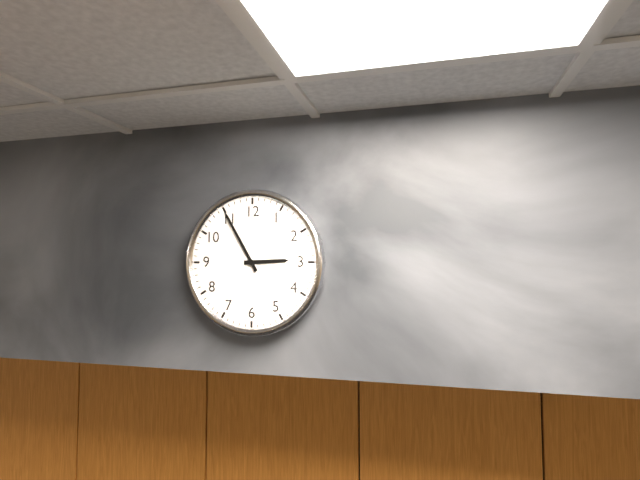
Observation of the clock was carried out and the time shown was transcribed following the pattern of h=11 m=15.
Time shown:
h=2 m=55
